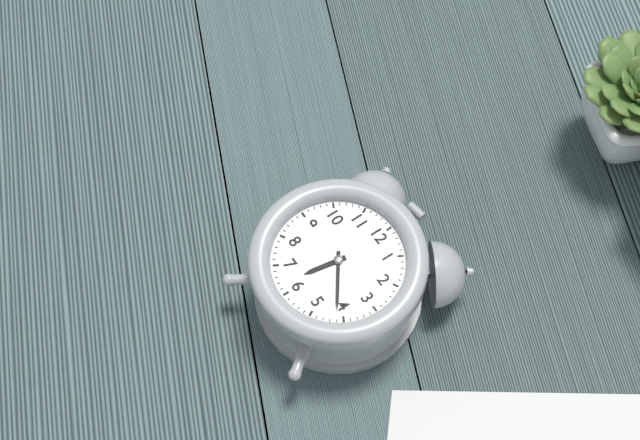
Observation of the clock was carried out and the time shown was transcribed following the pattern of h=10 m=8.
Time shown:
h=6 m=21
